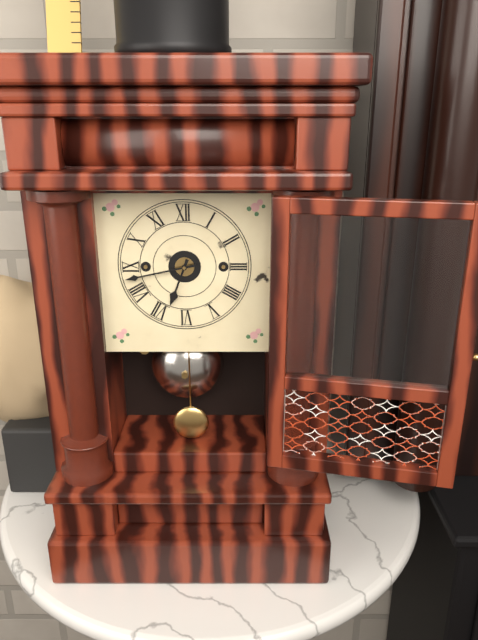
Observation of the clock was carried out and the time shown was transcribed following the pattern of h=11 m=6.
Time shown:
h=6 m=43
